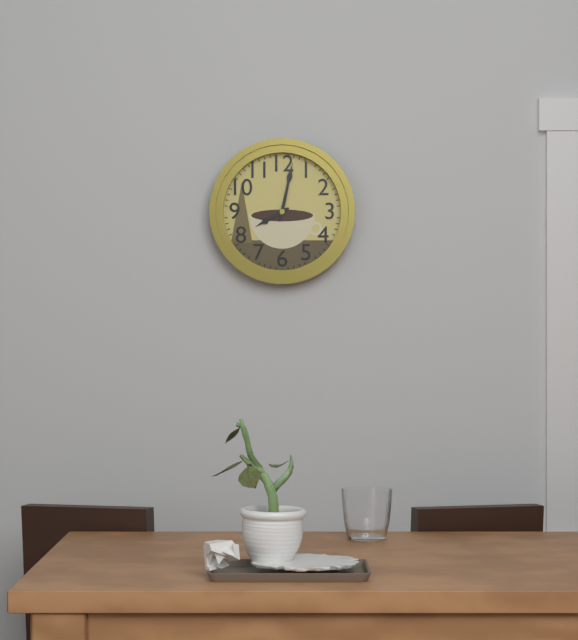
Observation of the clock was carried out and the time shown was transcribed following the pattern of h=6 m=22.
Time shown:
h=8 m=2
